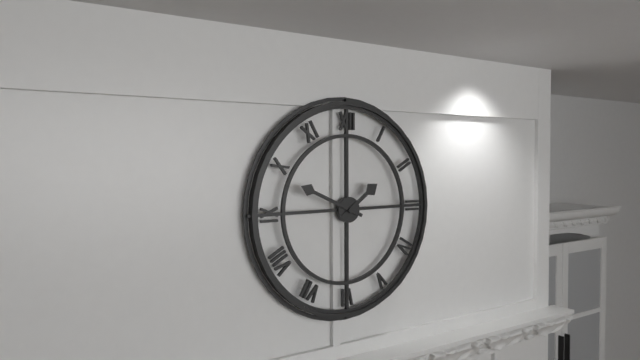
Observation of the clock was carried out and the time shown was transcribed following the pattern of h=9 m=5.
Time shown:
h=1 m=49
